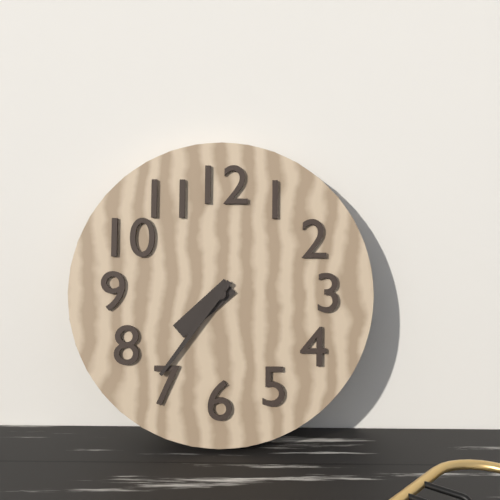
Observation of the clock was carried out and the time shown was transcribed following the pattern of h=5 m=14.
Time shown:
h=7 m=36
